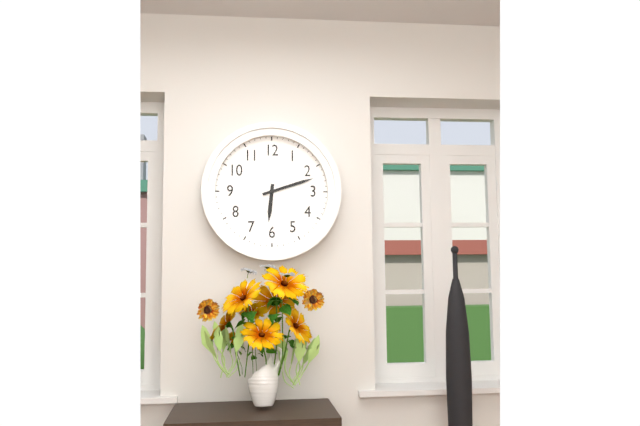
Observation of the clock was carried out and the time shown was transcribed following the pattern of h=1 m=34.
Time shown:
h=6 m=12
